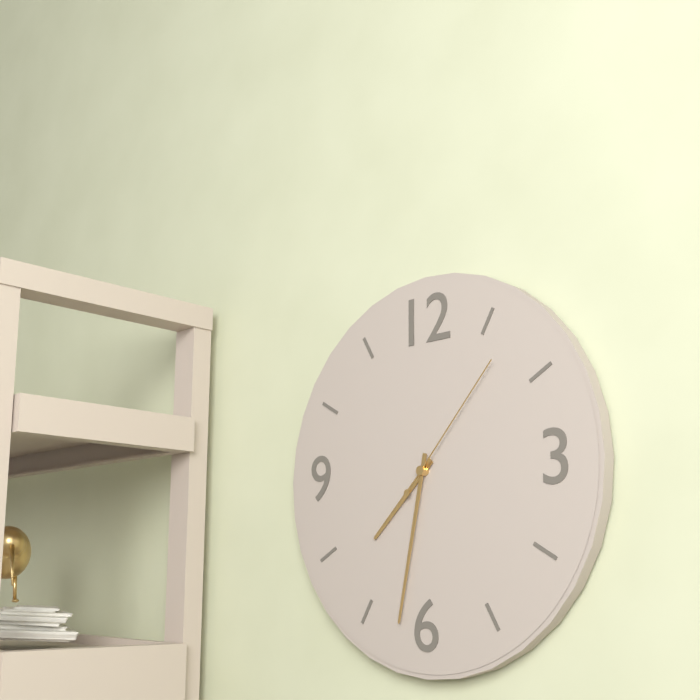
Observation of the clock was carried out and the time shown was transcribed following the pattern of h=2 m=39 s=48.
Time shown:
h=7 m=32 s=7
